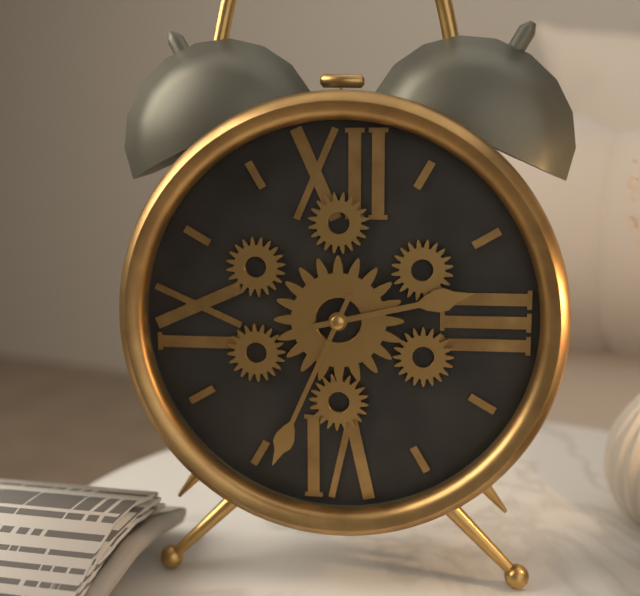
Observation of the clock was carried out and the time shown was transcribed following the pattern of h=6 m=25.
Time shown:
h=2 m=34
